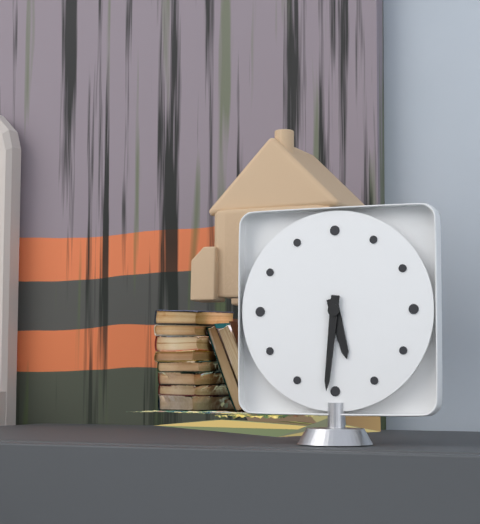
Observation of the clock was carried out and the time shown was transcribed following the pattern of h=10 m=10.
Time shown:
h=5 m=31
